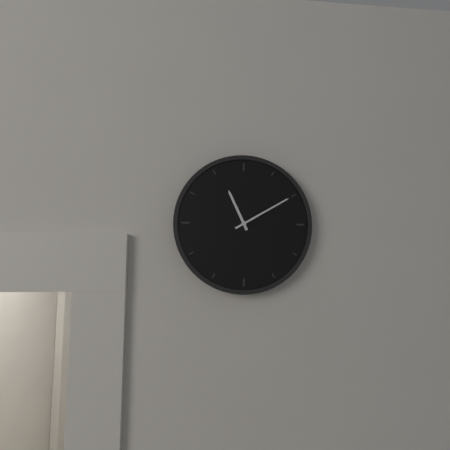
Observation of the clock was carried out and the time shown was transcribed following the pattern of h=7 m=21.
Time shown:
h=11 m=10
